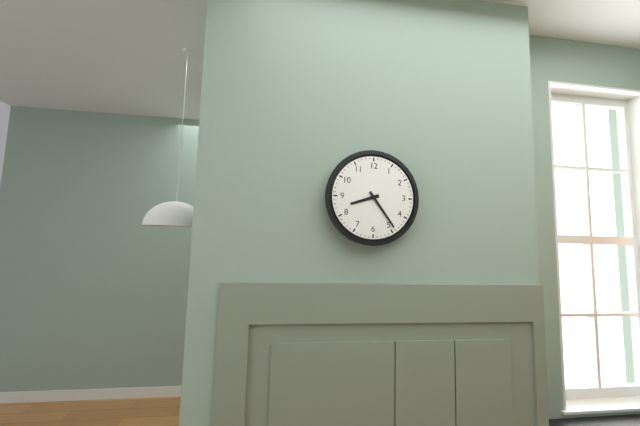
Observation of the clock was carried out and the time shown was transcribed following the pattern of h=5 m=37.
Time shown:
h=8 m=24
